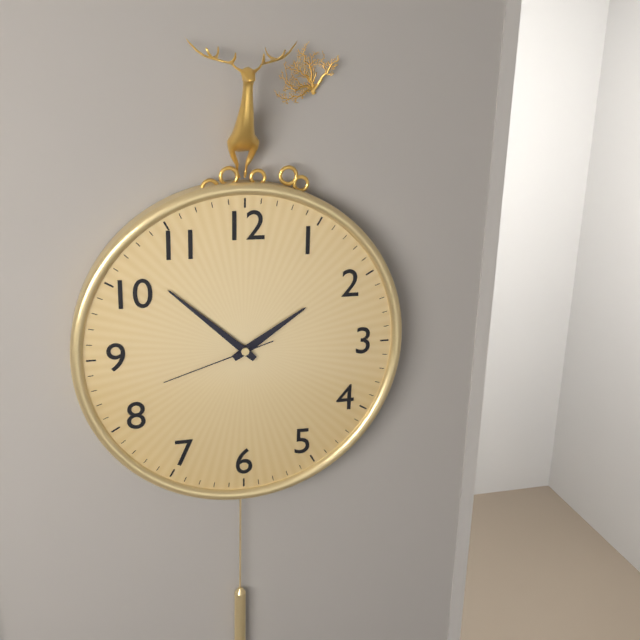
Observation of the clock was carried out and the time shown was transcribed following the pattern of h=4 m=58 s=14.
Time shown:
h=1 m=52 s=42
